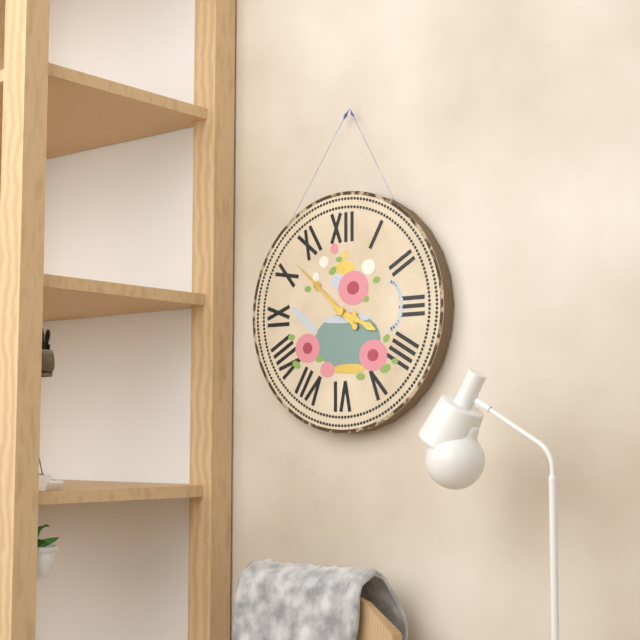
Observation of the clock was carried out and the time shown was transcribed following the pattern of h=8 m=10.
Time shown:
h=3 m=52
